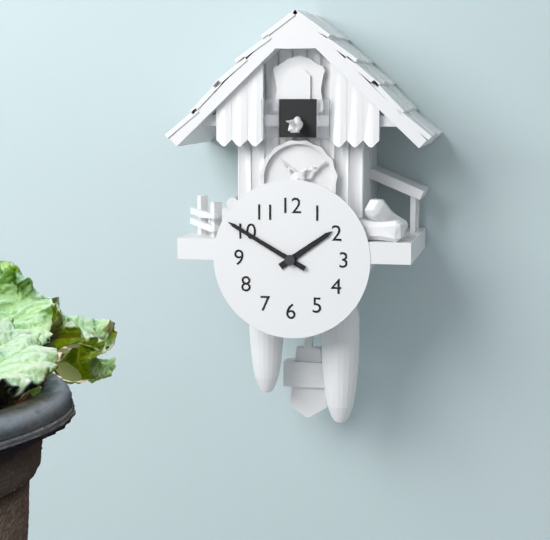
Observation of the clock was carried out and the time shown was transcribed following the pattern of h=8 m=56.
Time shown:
h=1 m=50
